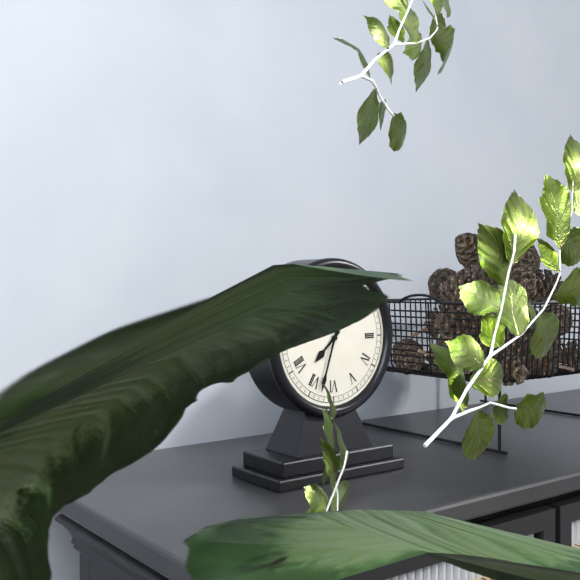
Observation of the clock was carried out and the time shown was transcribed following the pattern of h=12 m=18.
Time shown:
h=7 m=33
